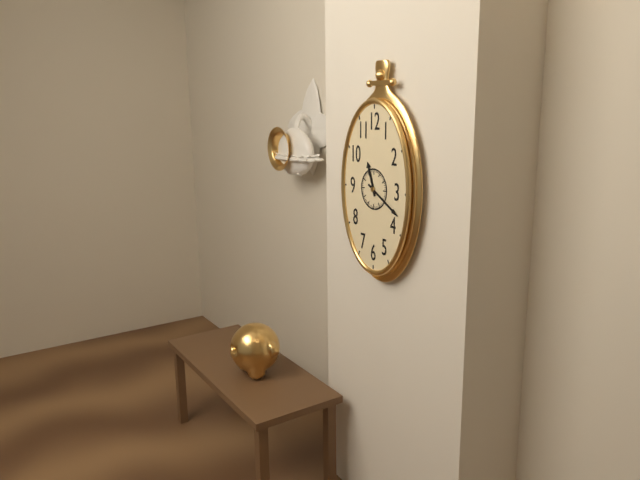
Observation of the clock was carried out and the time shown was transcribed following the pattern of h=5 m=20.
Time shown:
h=11 m=20
